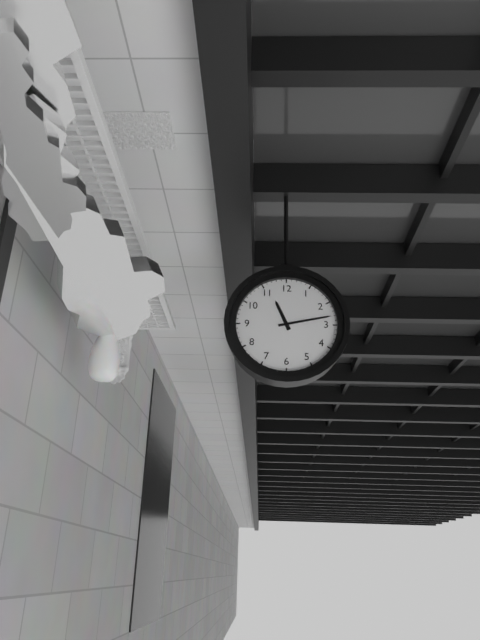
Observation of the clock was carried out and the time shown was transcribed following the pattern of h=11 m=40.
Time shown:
h=11 m=13
